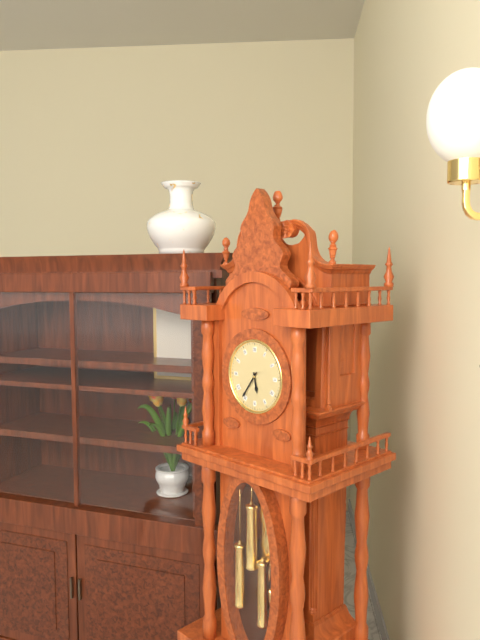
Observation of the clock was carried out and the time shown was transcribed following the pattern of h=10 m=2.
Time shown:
h=5 m=36
